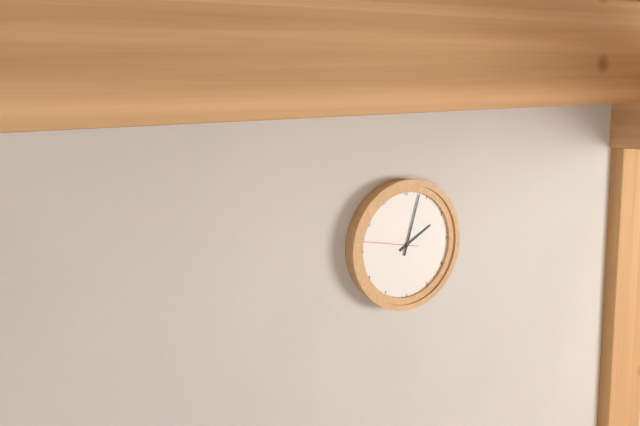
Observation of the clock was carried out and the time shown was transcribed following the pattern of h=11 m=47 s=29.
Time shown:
h=2 m=3 s=47
